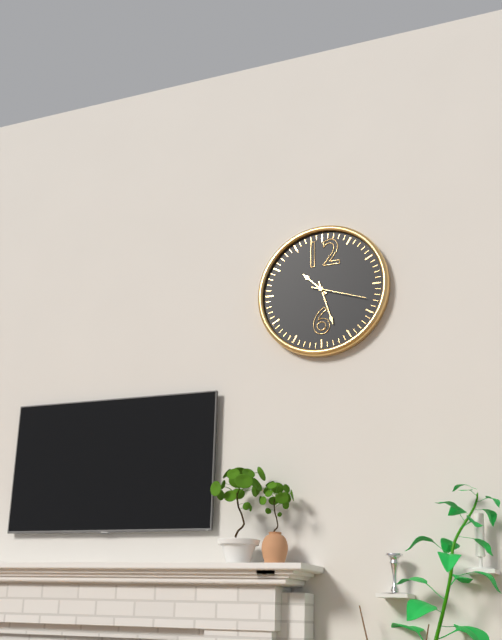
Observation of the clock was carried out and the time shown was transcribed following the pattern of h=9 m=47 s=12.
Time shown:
h=10 m=27 s=18
